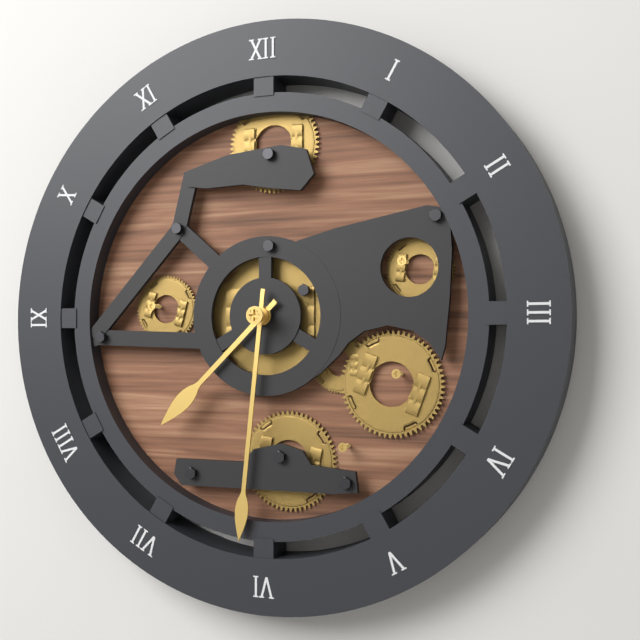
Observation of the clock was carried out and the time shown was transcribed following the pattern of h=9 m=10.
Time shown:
h=7 m=31
